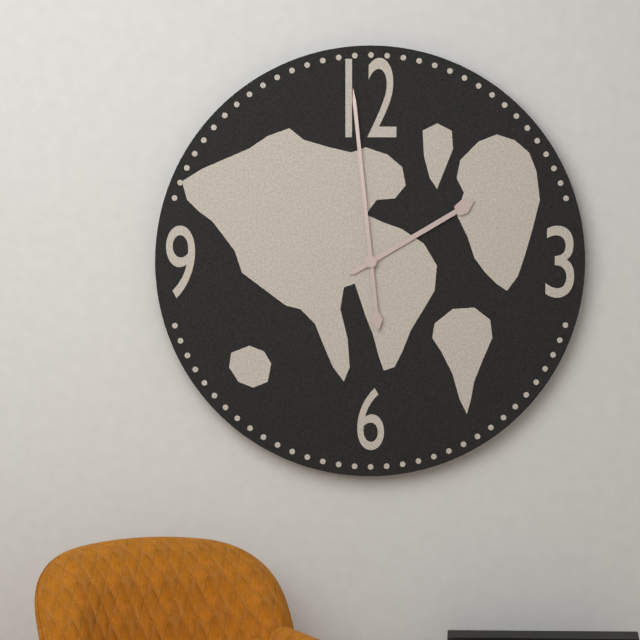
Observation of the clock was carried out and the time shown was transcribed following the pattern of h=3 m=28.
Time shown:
h=1 m=59
